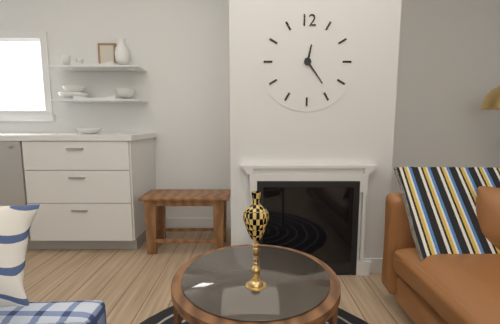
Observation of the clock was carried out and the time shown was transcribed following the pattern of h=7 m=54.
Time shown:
h=12 m=24
